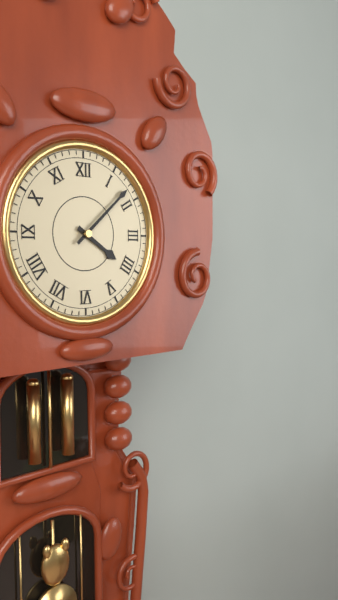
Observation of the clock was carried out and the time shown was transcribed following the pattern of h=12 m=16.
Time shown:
h=4 m=8
